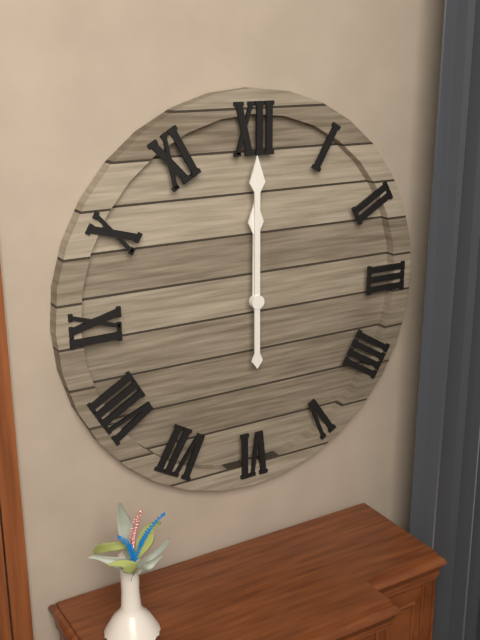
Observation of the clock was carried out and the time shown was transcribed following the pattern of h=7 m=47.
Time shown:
h=12 m=0
